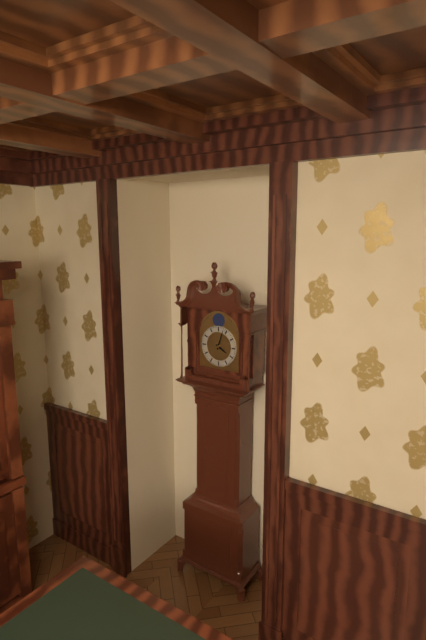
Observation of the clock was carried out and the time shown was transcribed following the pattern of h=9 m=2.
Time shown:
h=4 m=3
